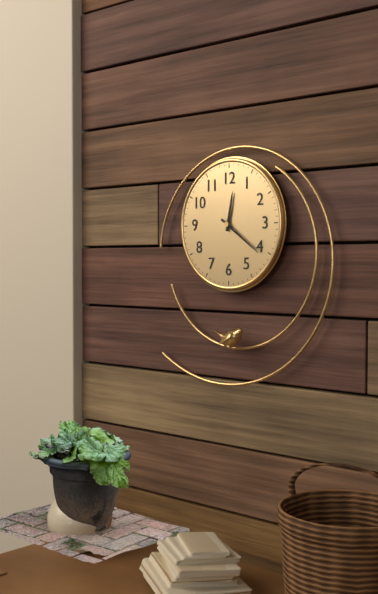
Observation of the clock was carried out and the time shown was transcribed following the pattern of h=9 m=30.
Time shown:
h=12 m=21
